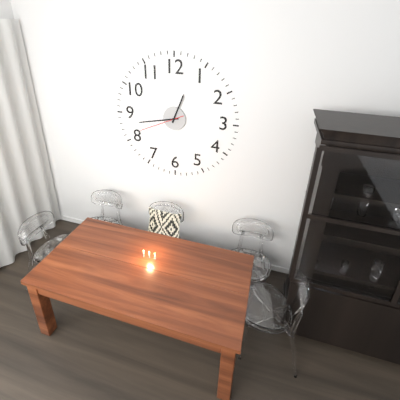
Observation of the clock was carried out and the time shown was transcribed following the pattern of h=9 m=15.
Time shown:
h=12 m=43
